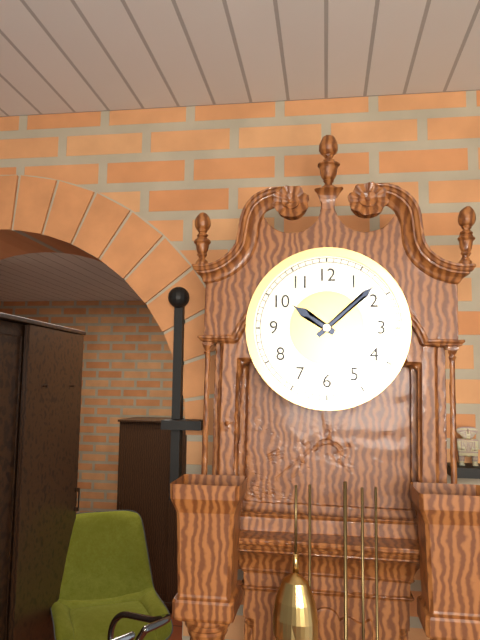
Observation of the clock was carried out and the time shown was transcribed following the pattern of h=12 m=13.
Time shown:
h=10 m=8
